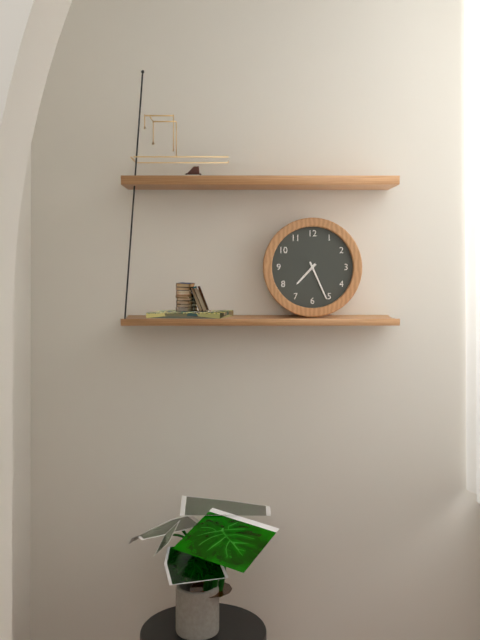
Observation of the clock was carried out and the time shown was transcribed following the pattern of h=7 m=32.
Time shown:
h=7 m=26
